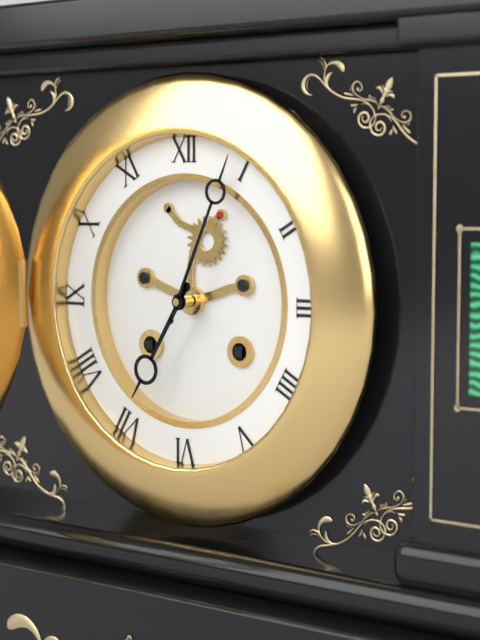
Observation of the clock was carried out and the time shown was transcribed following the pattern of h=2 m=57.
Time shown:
h=7 m=4
